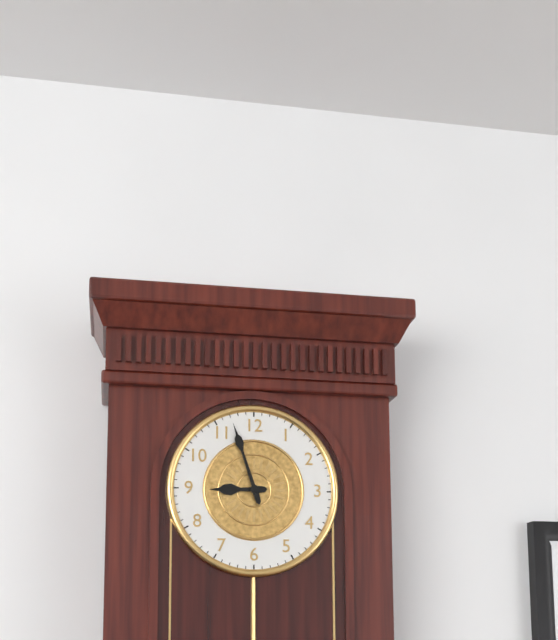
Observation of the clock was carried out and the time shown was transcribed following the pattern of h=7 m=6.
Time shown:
h=8 m=57
